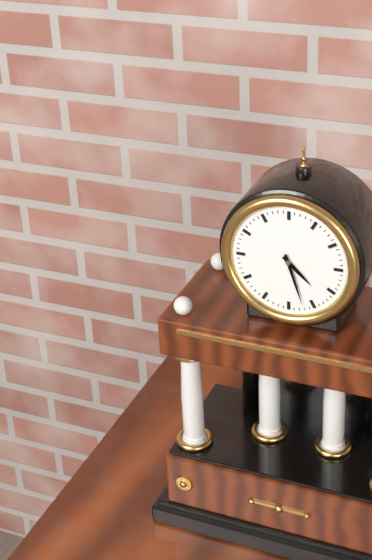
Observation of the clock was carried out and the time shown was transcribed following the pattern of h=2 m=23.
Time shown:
h=4 m=27
